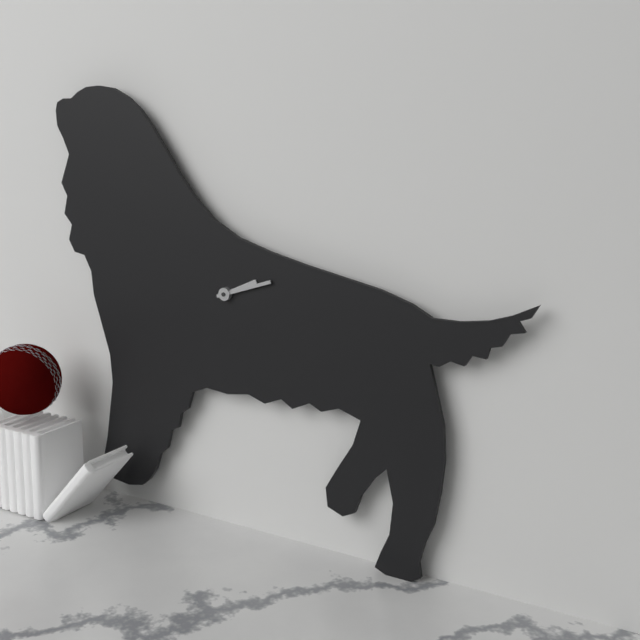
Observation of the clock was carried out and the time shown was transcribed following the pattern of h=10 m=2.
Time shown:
h=2 m=12
